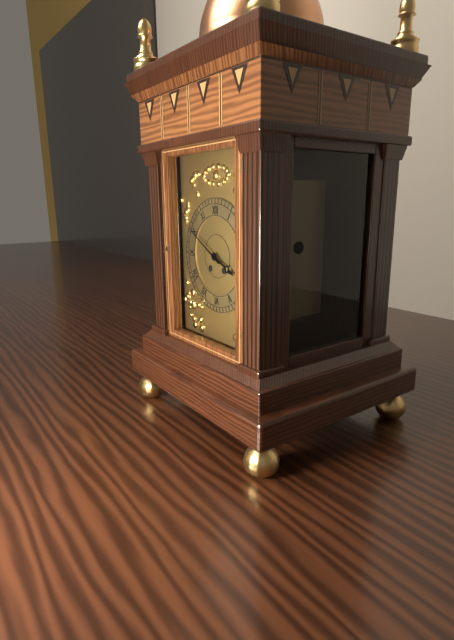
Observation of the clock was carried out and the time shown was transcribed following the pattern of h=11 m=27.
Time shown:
h=3 m=50
